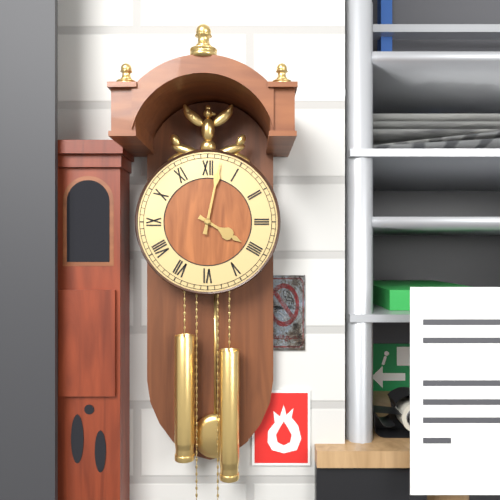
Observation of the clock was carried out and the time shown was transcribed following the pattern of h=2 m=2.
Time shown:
h=4 m=2
